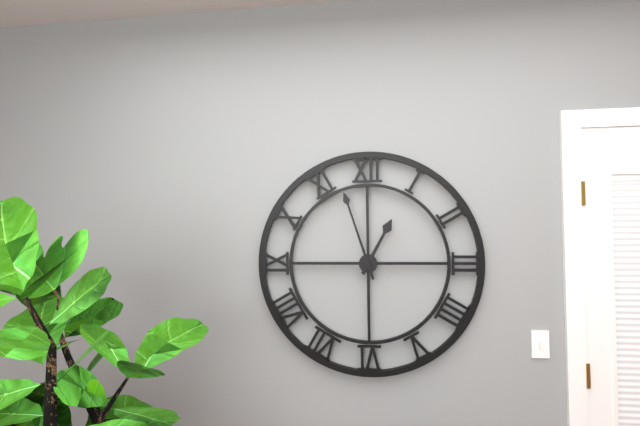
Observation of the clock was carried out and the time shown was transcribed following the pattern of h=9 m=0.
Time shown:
h=12 m=57
